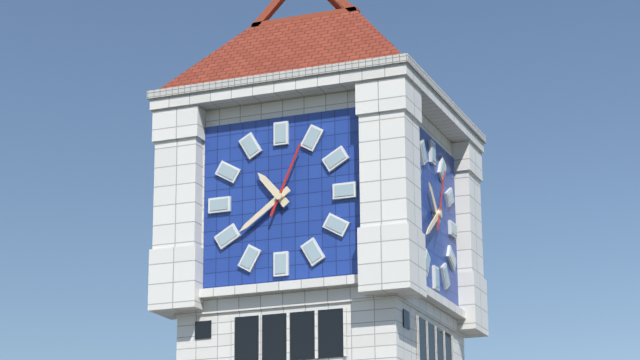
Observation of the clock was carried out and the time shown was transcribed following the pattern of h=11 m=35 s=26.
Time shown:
h=10 m=39 s=4
